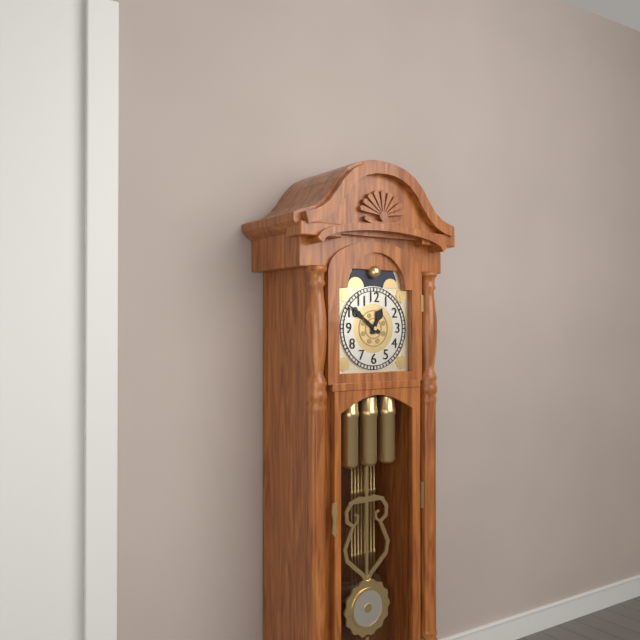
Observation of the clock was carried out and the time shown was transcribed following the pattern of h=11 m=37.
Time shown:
h=12 m=51
